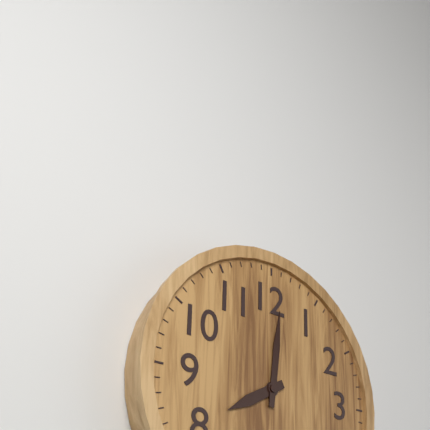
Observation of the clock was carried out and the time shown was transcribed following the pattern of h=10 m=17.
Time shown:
h=8 m=1
